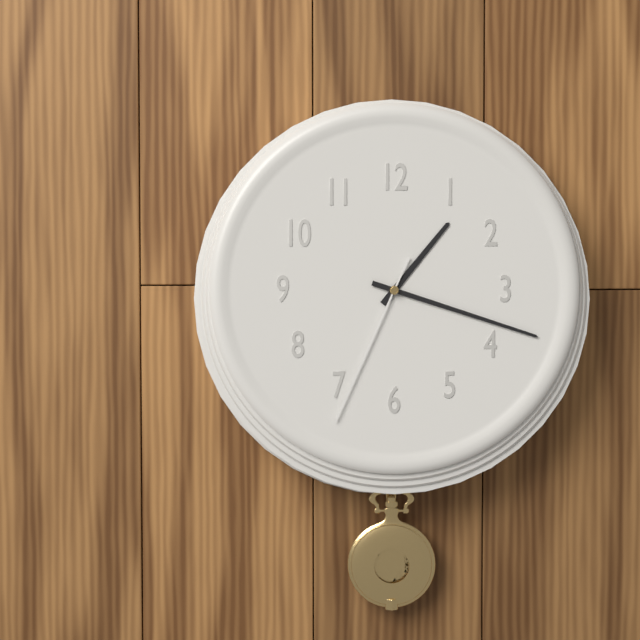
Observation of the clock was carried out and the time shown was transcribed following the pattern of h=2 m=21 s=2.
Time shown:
h=1 m=18 s=34
